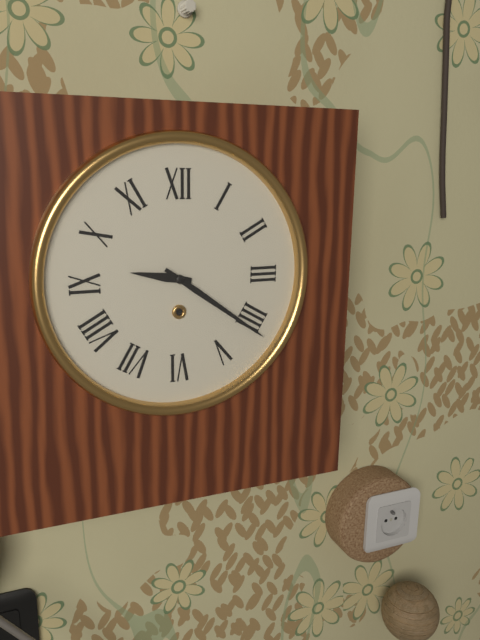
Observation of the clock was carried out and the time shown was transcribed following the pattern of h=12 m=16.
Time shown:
h=9 m=21
